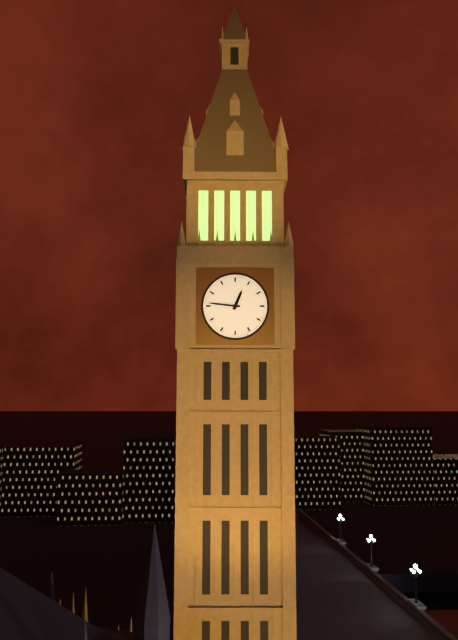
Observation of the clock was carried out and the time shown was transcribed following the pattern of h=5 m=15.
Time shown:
h=12 m=46
